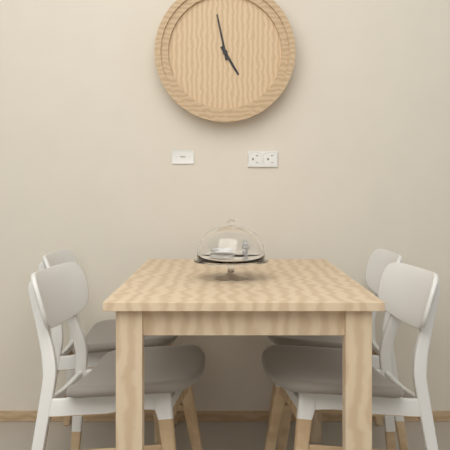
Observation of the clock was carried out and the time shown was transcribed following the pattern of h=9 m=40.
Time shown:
h=4 m=58
